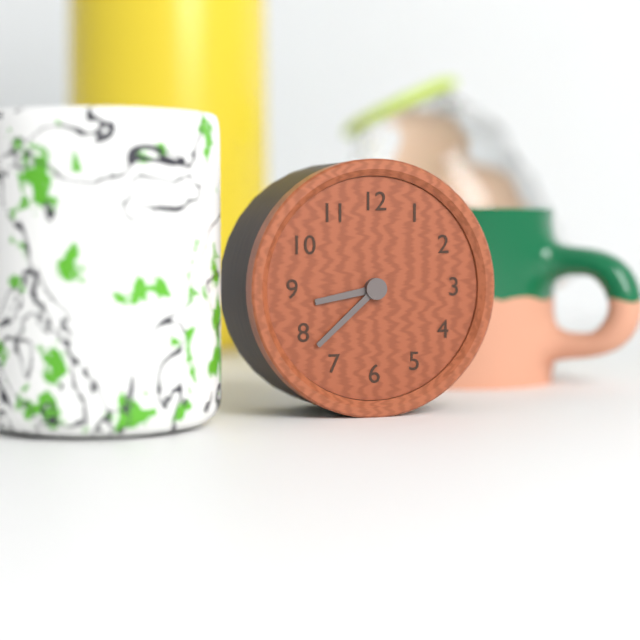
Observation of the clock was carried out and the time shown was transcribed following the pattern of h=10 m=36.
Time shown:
h=8 m=38
